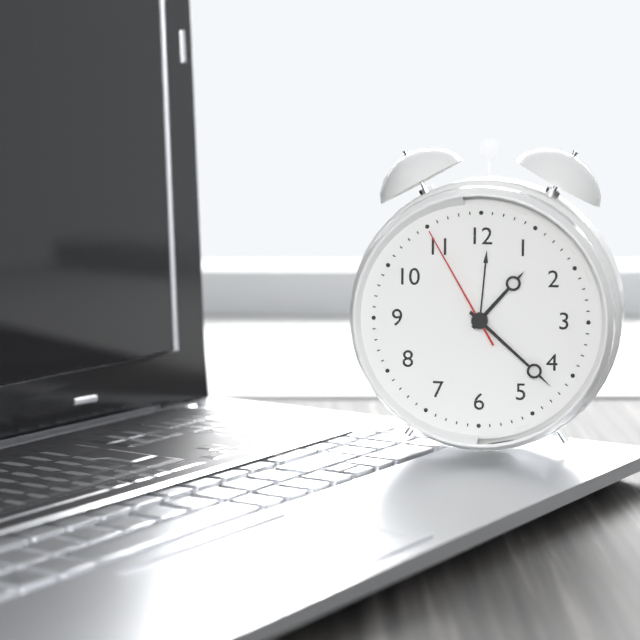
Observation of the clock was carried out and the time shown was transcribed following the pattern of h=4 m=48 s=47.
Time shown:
h=1 m=22 s=55
